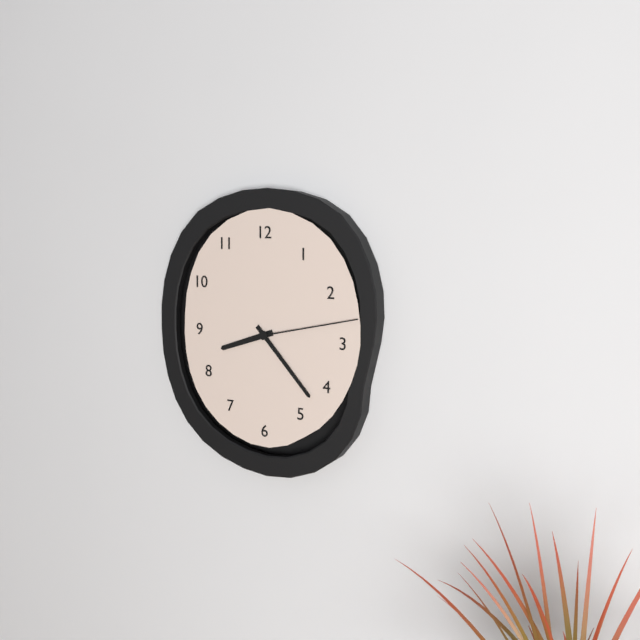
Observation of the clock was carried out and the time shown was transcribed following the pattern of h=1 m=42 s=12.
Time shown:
h=8 m=23 s=13
